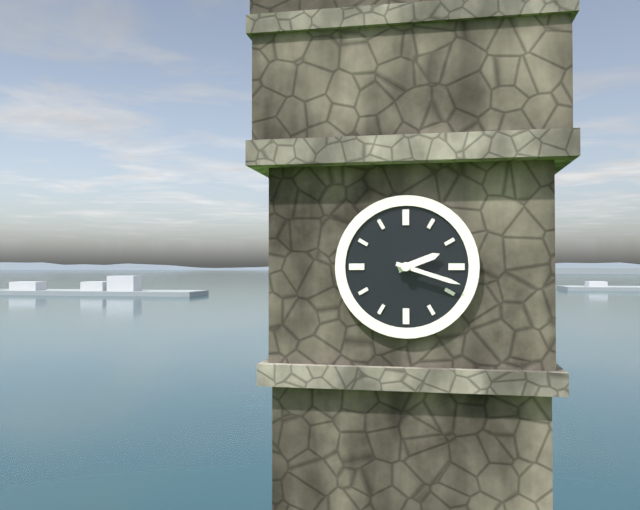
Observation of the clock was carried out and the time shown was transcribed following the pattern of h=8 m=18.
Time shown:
h=2 m=18
